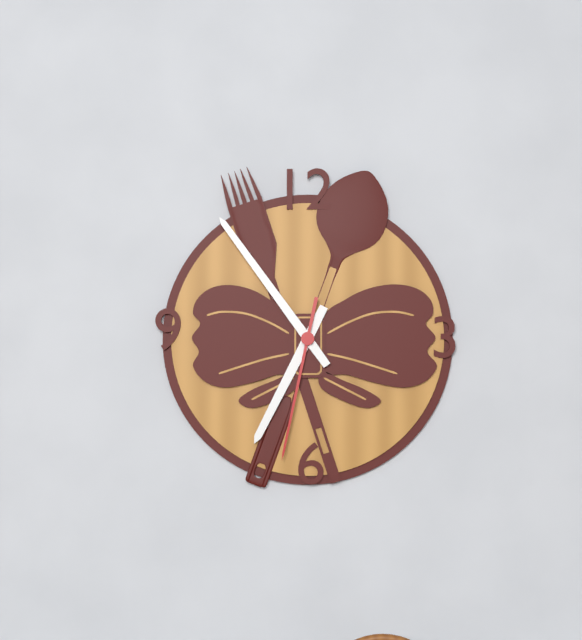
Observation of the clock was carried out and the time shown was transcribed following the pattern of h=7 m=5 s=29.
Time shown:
h=6 m=54 s=32
